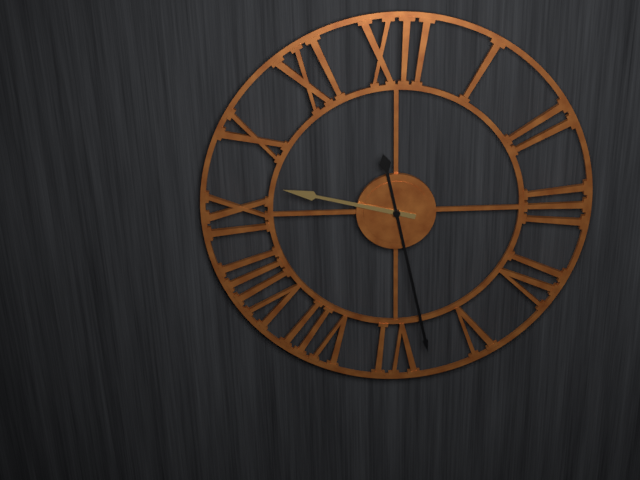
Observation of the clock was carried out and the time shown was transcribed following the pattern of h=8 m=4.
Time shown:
h=9 m=28
